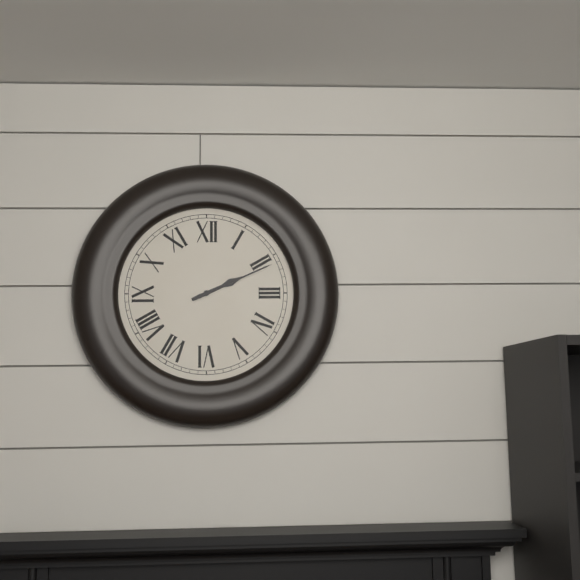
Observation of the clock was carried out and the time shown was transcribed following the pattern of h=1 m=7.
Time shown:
h=2 m=11
